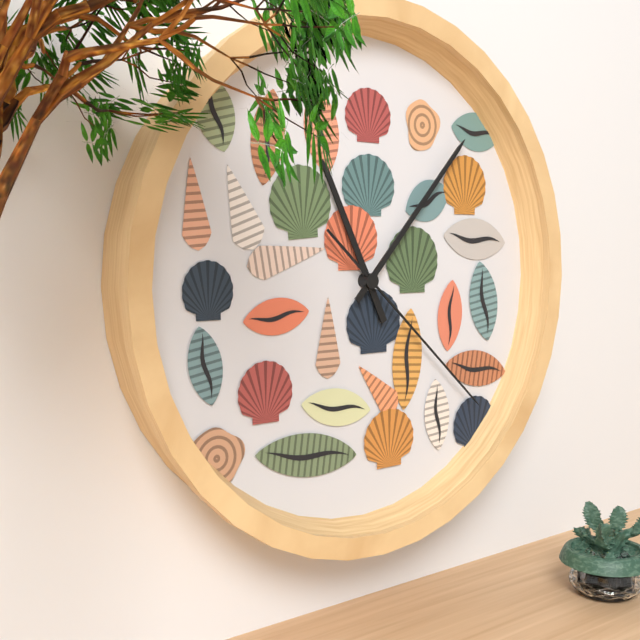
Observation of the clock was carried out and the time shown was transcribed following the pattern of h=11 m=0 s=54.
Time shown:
h=11 m=7 s=22
